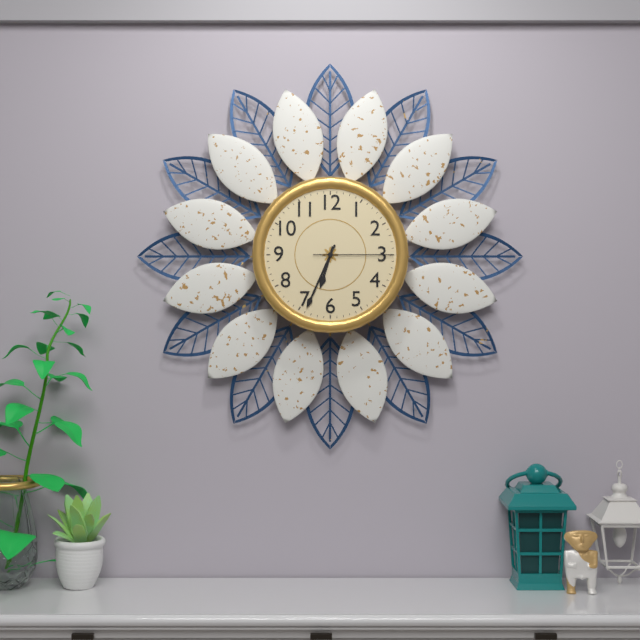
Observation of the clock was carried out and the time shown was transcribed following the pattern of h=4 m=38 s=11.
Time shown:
h=6 m=34 s=15
